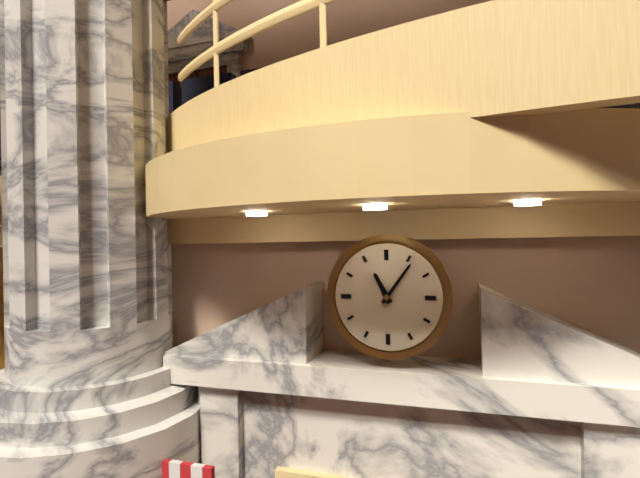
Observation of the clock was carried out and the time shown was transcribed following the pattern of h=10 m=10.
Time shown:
h=11 m=6
